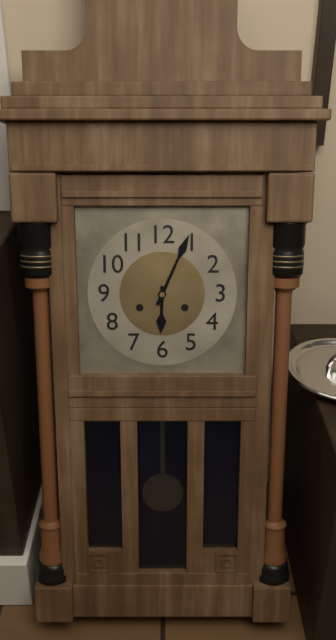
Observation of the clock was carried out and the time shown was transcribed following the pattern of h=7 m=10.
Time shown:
h=6 m=4
